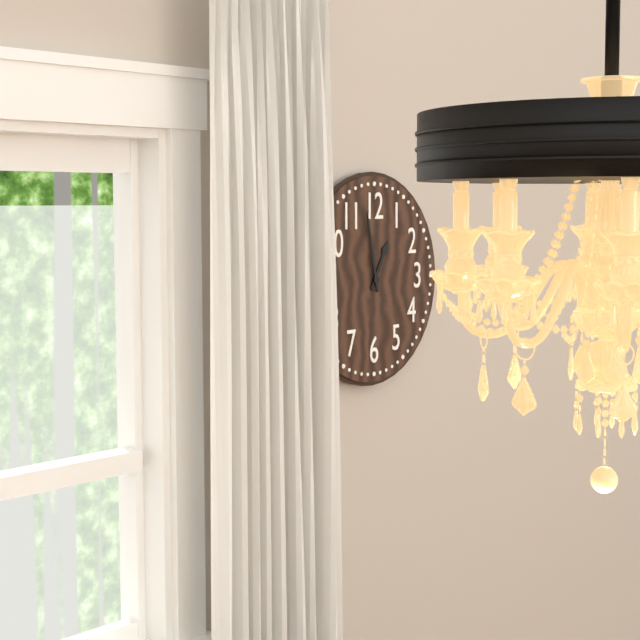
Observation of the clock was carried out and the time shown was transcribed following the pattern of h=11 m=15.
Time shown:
h=12 m=58
